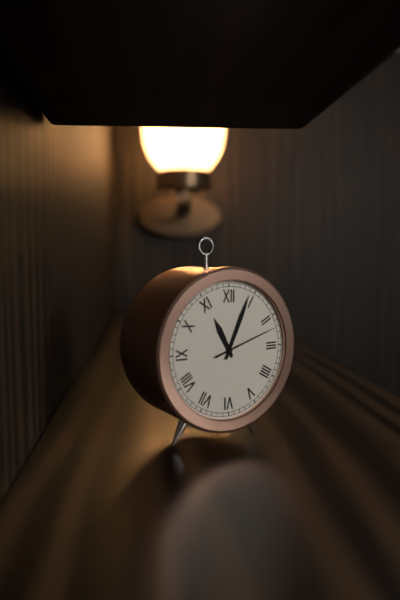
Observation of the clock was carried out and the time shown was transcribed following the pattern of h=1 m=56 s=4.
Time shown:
h=11 m=4 s=12
